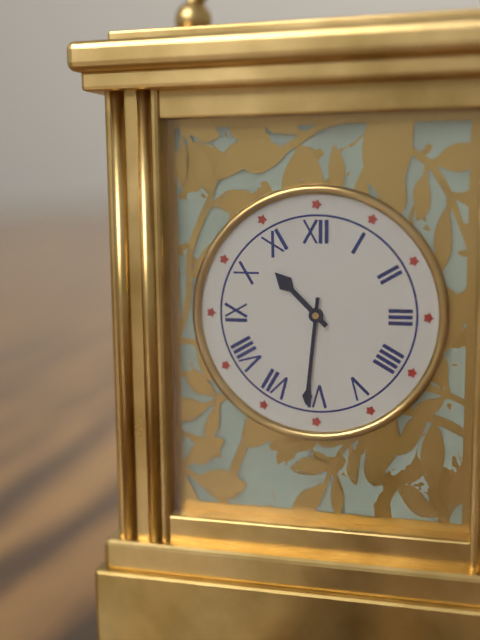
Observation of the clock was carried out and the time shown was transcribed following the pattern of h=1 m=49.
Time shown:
h=10 m=31
